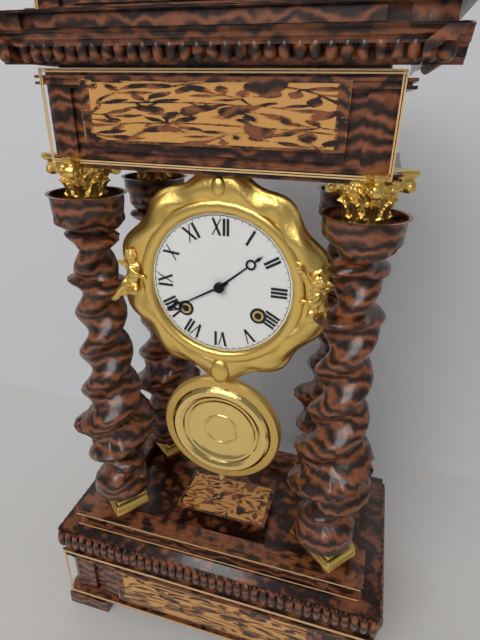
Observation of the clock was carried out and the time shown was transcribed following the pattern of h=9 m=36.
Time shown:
h=1 m=40
